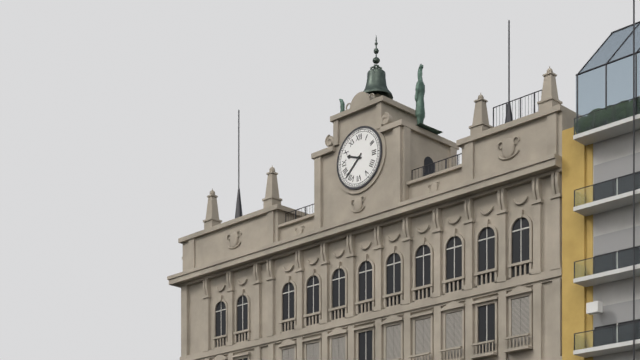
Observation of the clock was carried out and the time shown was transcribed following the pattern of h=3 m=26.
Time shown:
h=9 m=38
